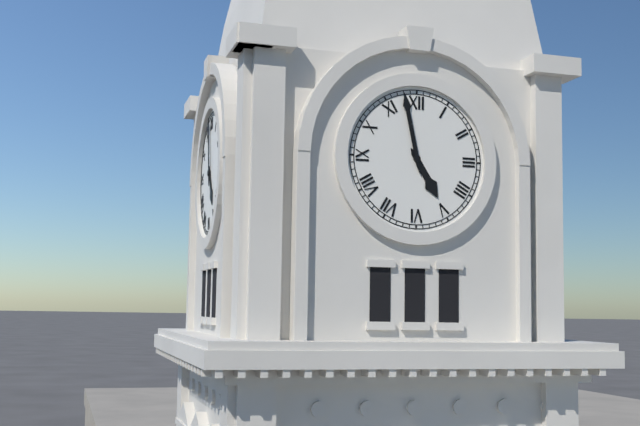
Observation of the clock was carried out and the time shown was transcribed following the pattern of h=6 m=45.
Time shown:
h=4 m=58
